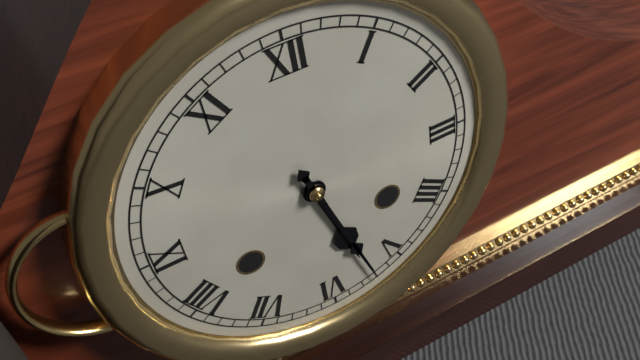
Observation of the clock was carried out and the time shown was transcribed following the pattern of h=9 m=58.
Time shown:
h=5 m=27
